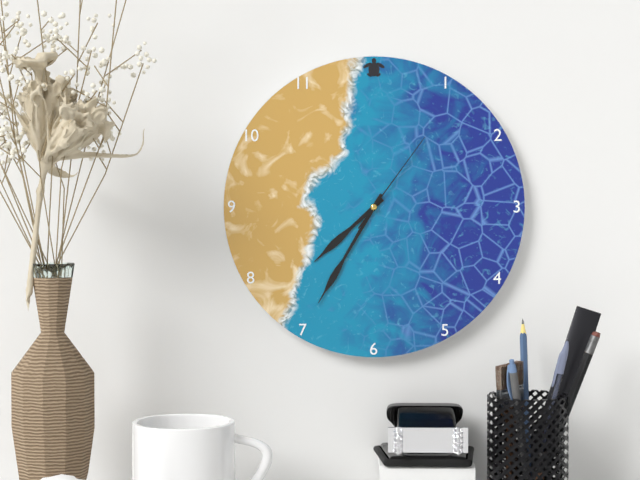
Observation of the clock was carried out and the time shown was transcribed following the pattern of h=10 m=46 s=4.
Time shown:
h=7 m=35 s=6
